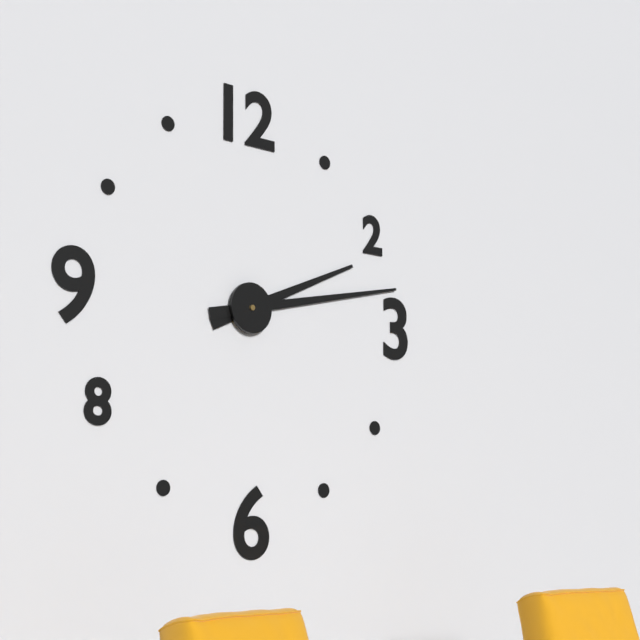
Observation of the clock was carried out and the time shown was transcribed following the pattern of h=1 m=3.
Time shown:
h=2 m=13
